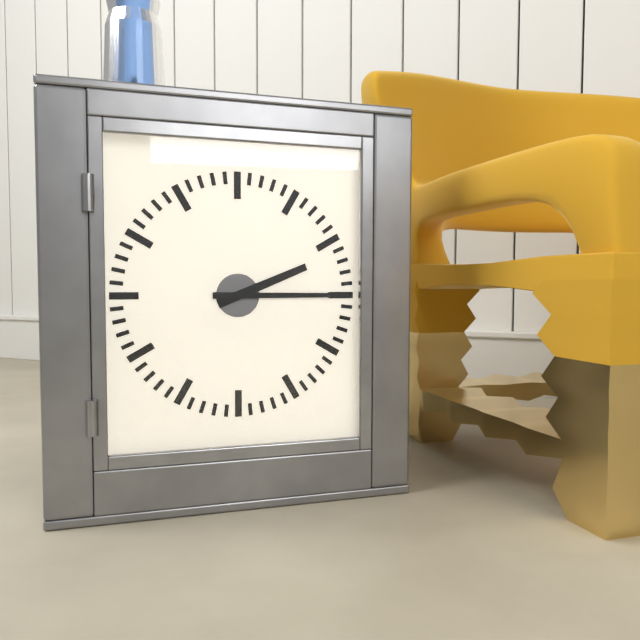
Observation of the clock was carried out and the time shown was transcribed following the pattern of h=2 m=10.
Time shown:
h=2 m=15
